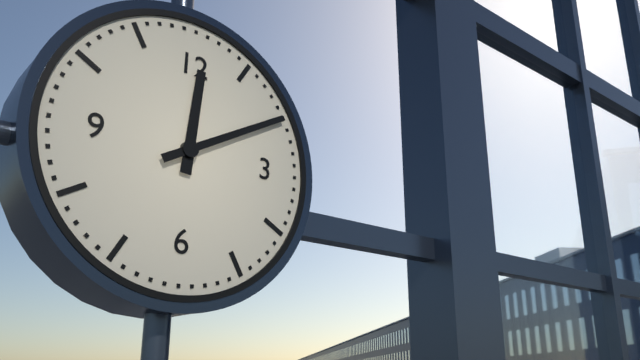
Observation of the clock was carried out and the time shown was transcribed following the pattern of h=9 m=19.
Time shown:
h=12 m=10
